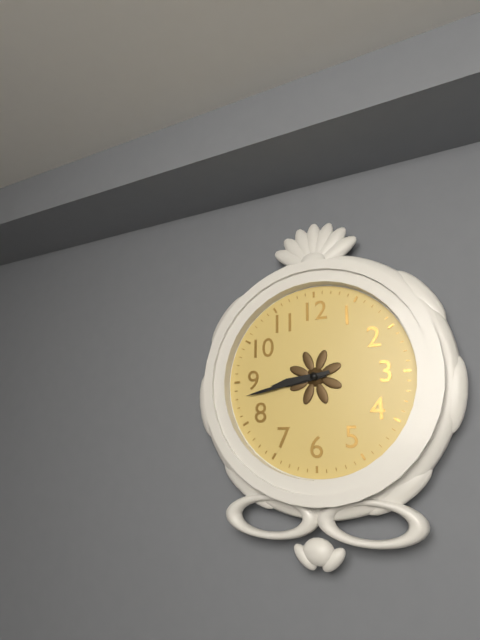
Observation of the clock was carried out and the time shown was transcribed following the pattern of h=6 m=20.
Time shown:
h=8 m=43
